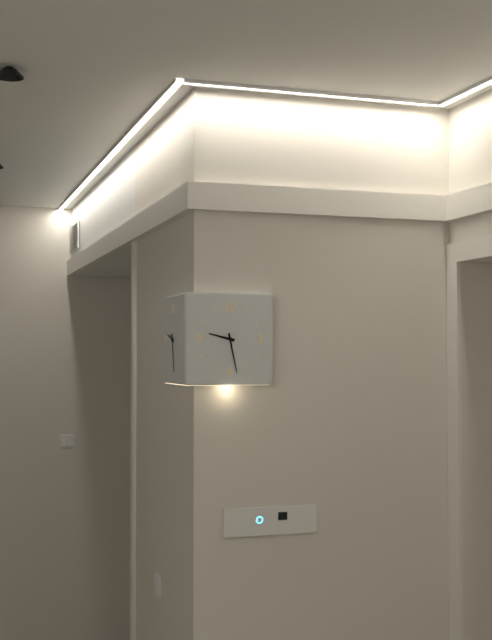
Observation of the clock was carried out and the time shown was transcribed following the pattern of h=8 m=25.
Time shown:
h=9 m=28
